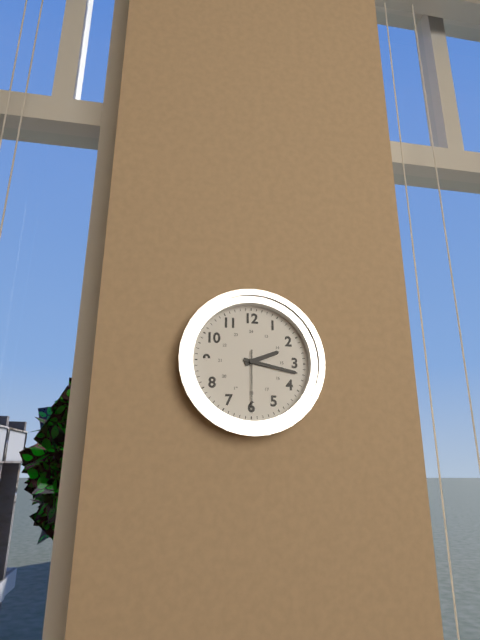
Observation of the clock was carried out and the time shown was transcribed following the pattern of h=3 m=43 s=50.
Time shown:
h=2 m=17 s=30
